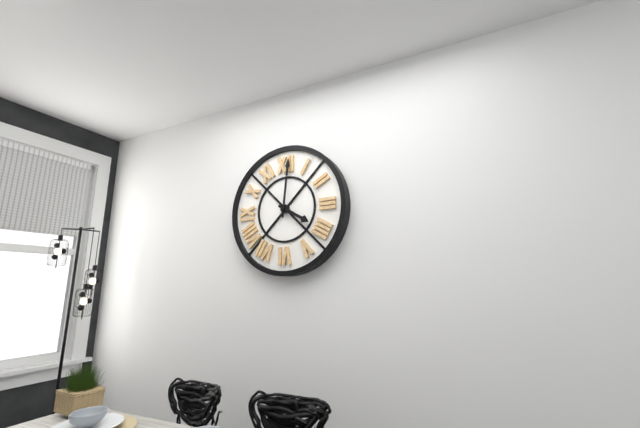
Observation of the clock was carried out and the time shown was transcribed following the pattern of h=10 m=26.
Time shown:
h=4 m=1
